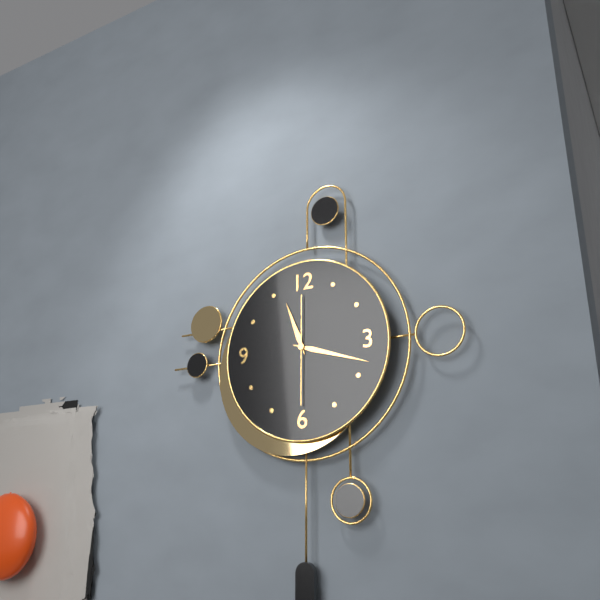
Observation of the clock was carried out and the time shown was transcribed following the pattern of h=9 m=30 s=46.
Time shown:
h=11 m=18 s=30
